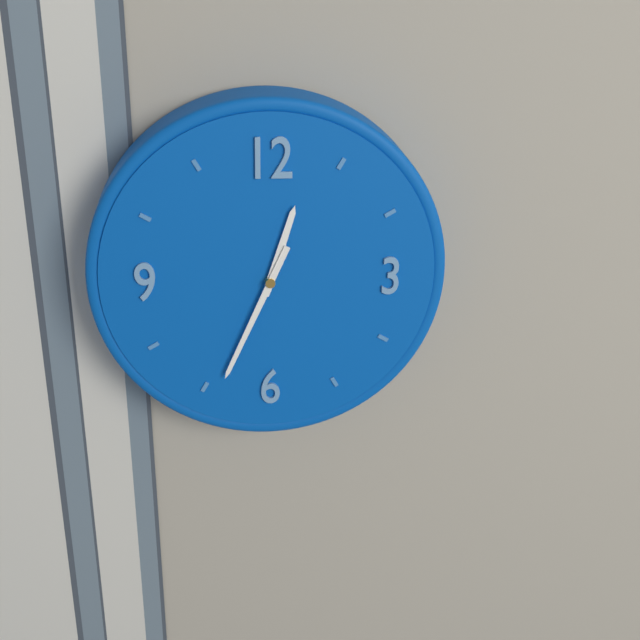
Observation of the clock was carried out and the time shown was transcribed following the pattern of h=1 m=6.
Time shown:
h=12 m=34
